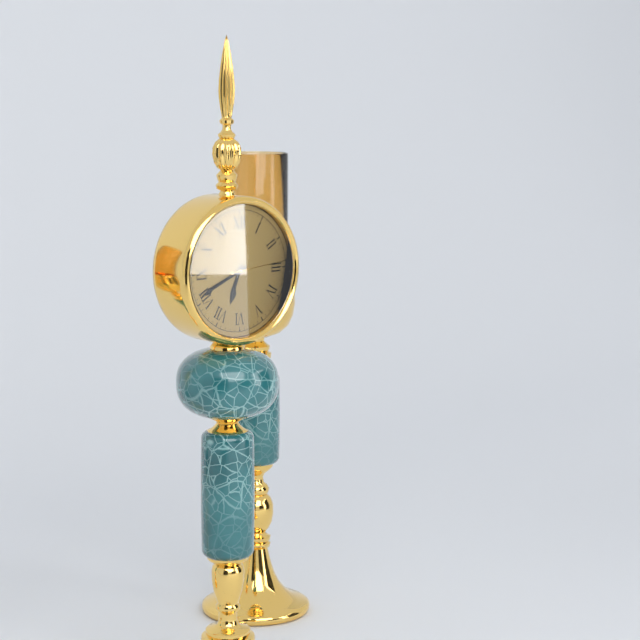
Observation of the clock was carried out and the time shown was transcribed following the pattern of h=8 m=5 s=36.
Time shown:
h=6 m=41 s=14
